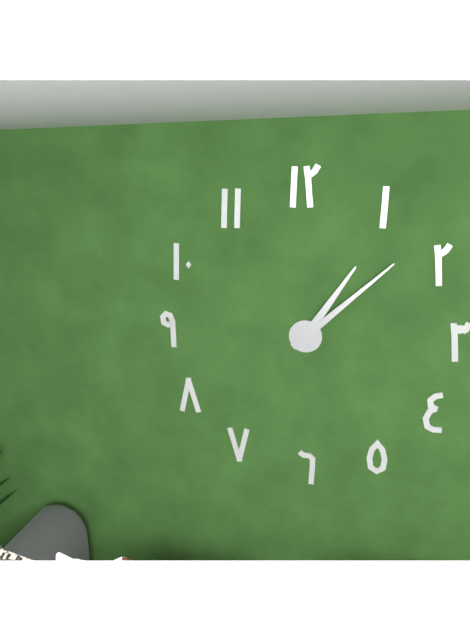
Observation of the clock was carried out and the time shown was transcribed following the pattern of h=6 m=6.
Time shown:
h=1 m=8
